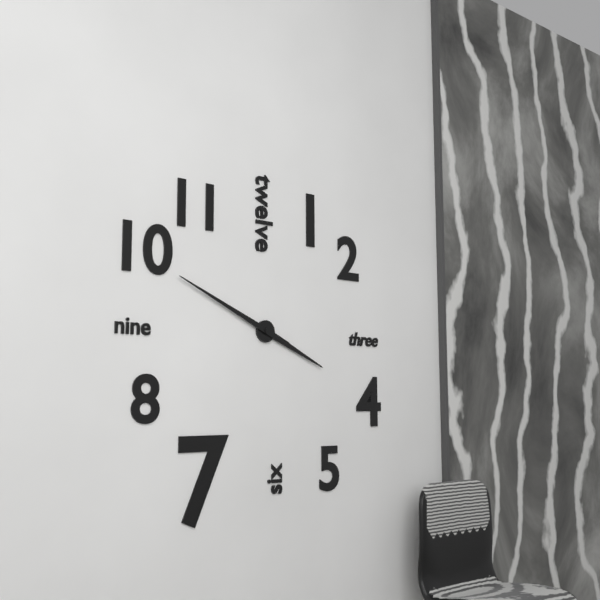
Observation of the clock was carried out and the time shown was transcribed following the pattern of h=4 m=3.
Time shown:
h=3 m=49
